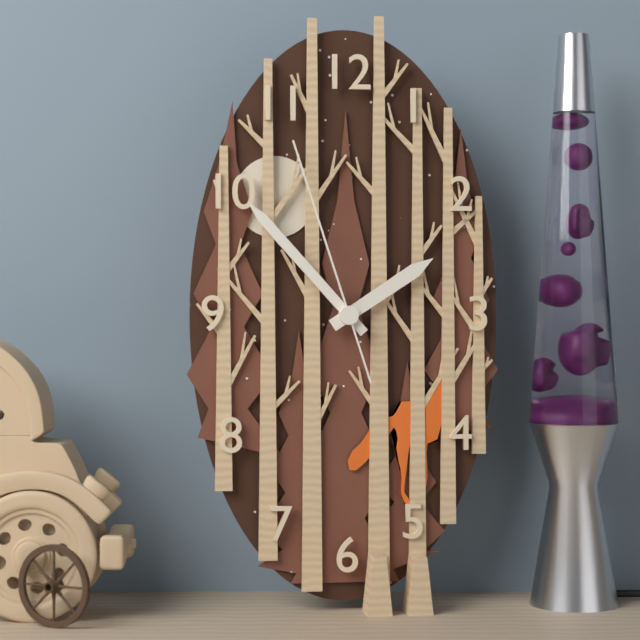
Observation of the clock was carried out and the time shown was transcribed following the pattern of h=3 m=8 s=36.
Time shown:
h=1 m=53 s=57
